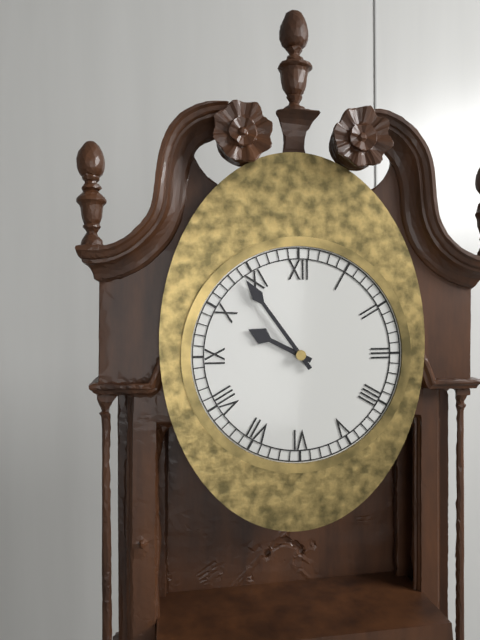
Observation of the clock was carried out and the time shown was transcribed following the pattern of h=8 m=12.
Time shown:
h=9 m=54
